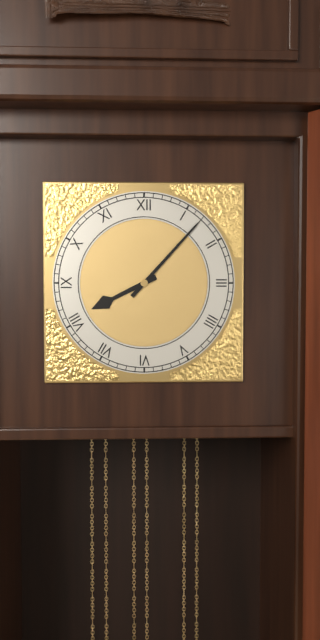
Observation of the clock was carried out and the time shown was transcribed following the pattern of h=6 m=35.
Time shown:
h=8 m=7
